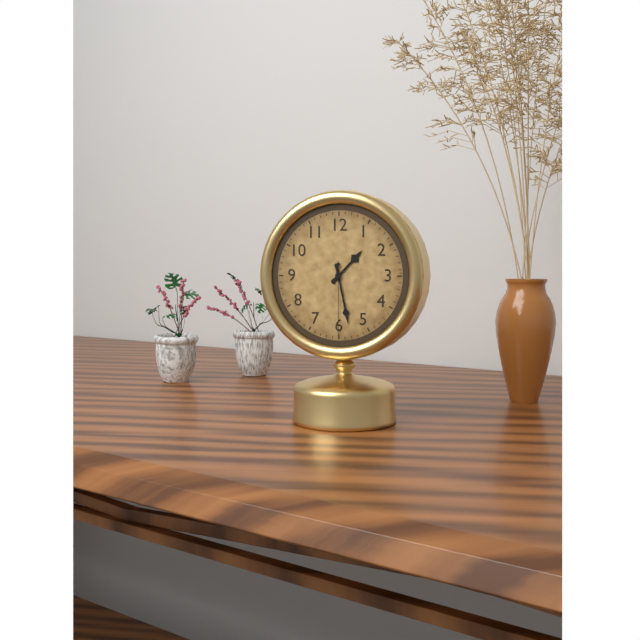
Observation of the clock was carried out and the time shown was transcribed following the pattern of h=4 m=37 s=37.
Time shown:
h=1 m=28 s=30
